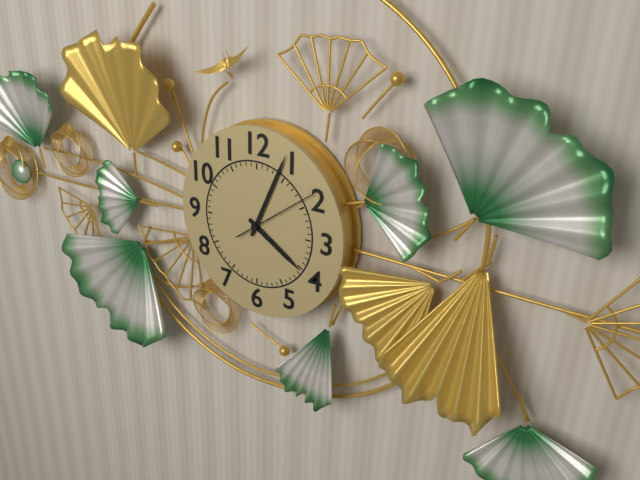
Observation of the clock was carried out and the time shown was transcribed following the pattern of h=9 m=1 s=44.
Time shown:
h=4 m=4 s=9
